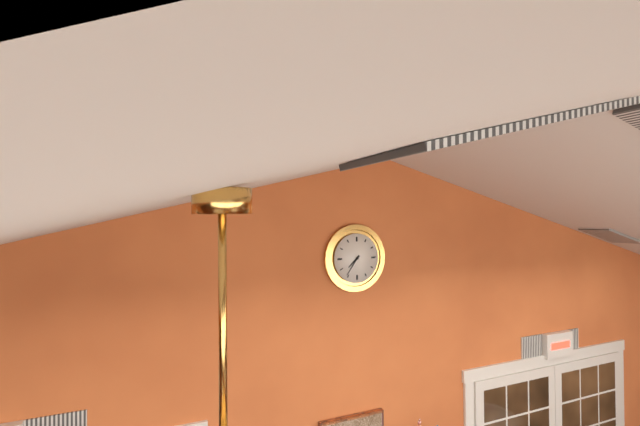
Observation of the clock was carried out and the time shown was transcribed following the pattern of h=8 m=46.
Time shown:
h=7 m=36
